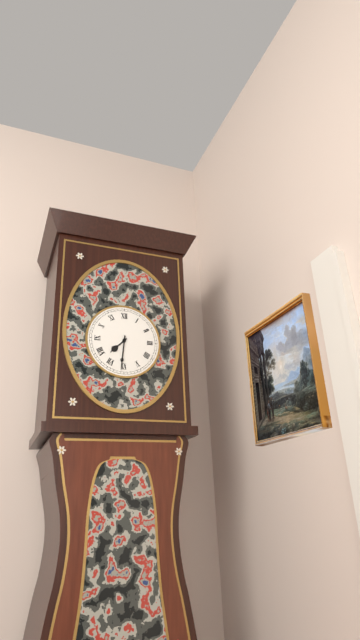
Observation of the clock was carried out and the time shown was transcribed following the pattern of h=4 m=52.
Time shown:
h=7 m=31
